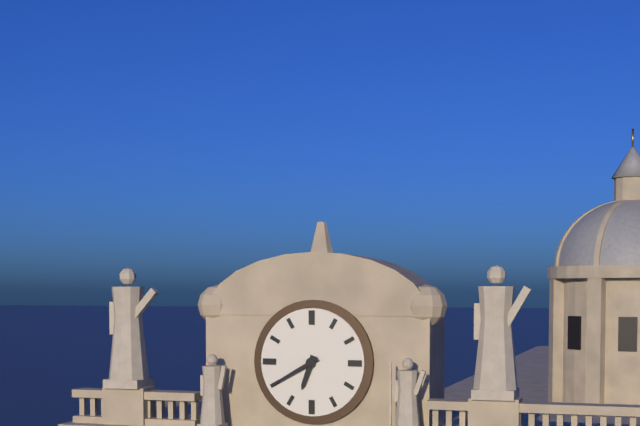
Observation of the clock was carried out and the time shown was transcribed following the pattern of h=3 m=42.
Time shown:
h=6 m=40
